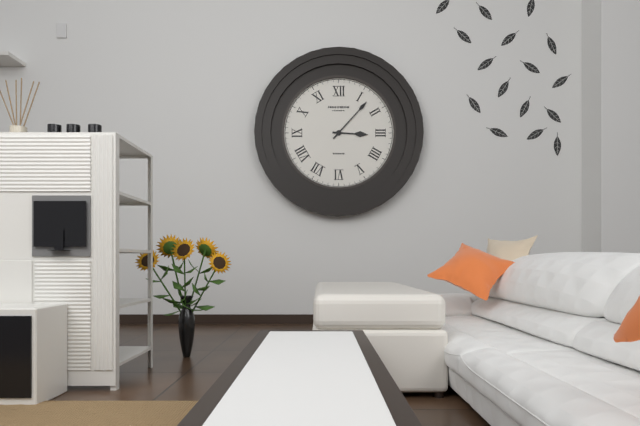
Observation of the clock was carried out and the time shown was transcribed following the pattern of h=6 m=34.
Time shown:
h=3 m=7
